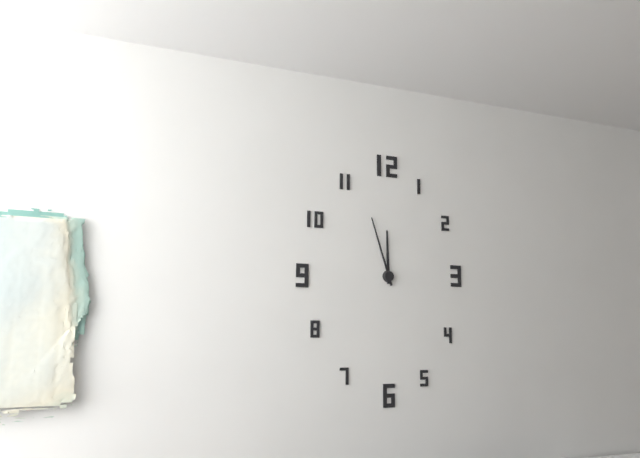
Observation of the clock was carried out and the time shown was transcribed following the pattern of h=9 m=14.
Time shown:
h=11 m=57
